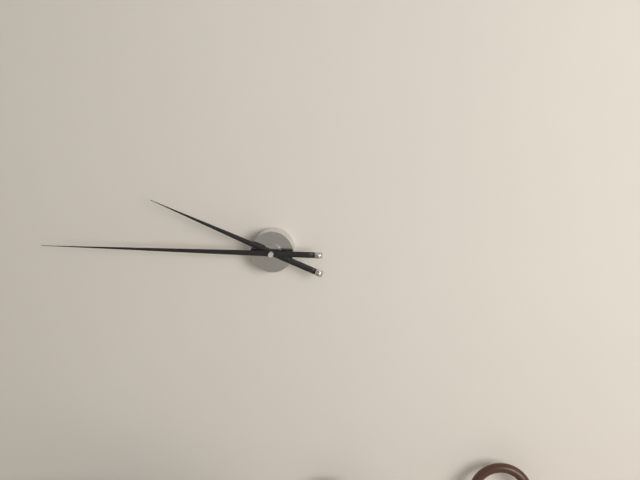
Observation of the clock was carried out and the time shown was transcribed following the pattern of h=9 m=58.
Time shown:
h=9 m=45
